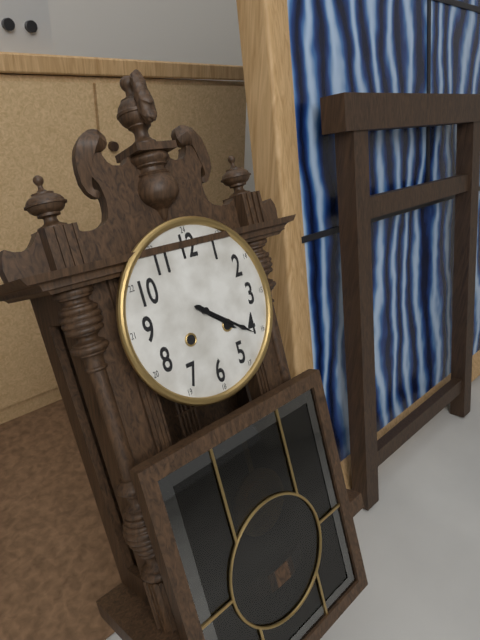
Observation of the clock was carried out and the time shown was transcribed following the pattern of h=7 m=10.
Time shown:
h=4 m=21
